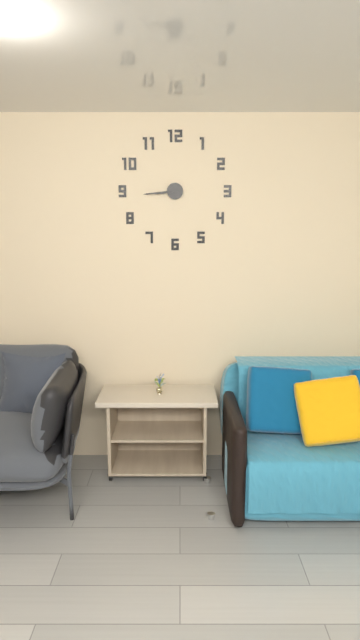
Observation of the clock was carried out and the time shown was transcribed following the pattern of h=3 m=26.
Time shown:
h=8 m=44
